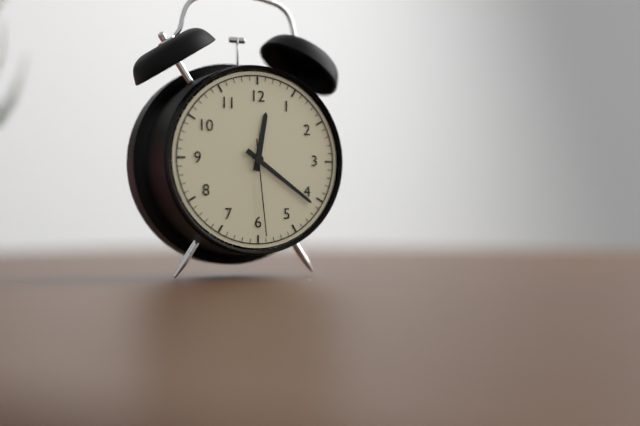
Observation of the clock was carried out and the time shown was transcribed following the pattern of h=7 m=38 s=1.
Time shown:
h=12 m=21 s=29
